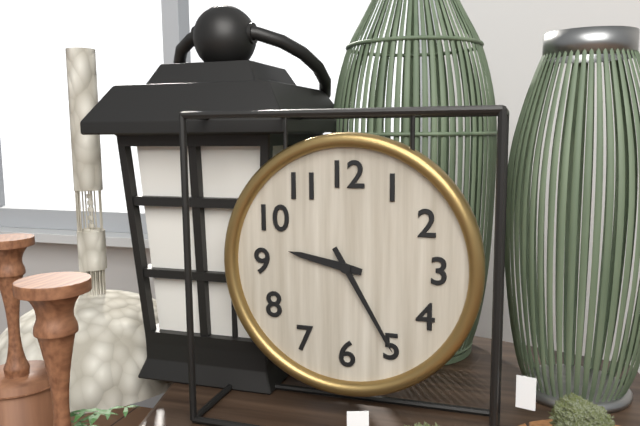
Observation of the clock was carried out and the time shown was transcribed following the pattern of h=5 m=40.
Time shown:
h=9 m=25
